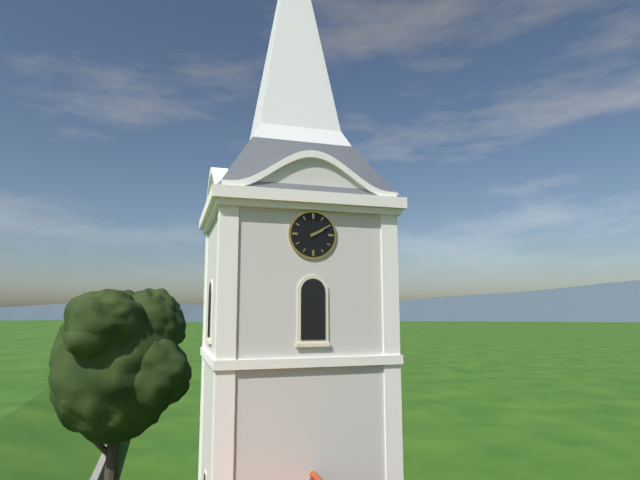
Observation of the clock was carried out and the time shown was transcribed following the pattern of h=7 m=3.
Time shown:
h=2 m=10
